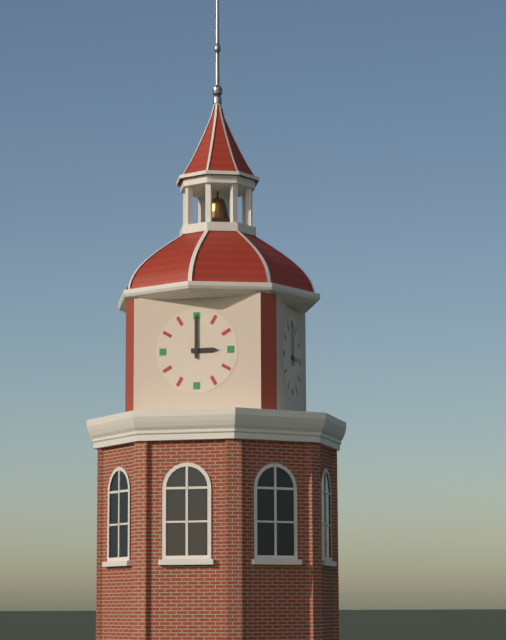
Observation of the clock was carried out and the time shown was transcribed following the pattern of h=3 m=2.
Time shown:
h=3 m=0
